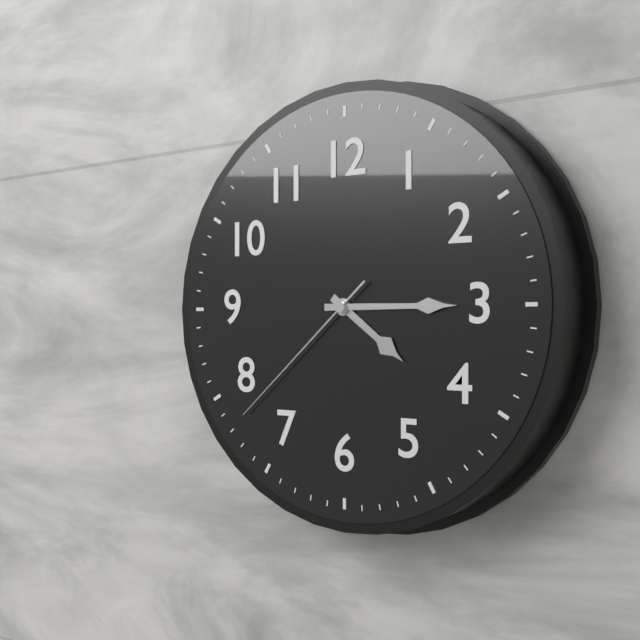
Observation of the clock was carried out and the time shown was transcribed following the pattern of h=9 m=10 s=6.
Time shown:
h=4 m=15 s=38
